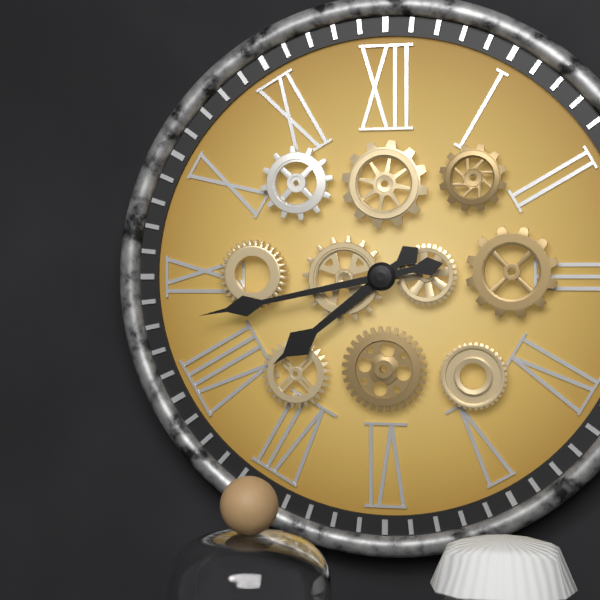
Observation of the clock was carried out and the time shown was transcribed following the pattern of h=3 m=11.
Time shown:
h=7 m=43
